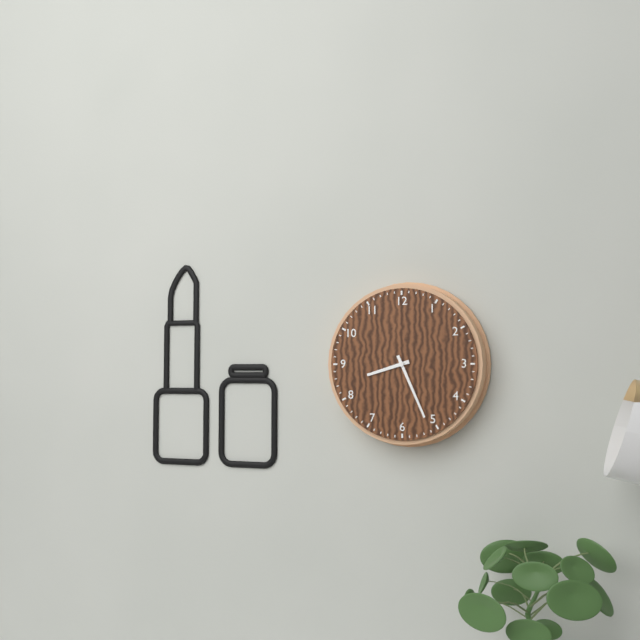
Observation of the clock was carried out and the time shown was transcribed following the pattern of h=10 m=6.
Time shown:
h=8 m=26
